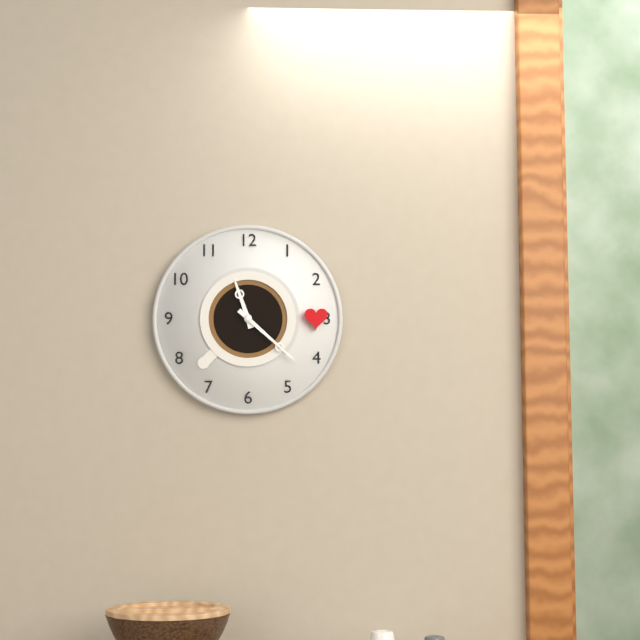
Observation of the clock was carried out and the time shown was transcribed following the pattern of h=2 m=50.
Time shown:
h=11 m=22
